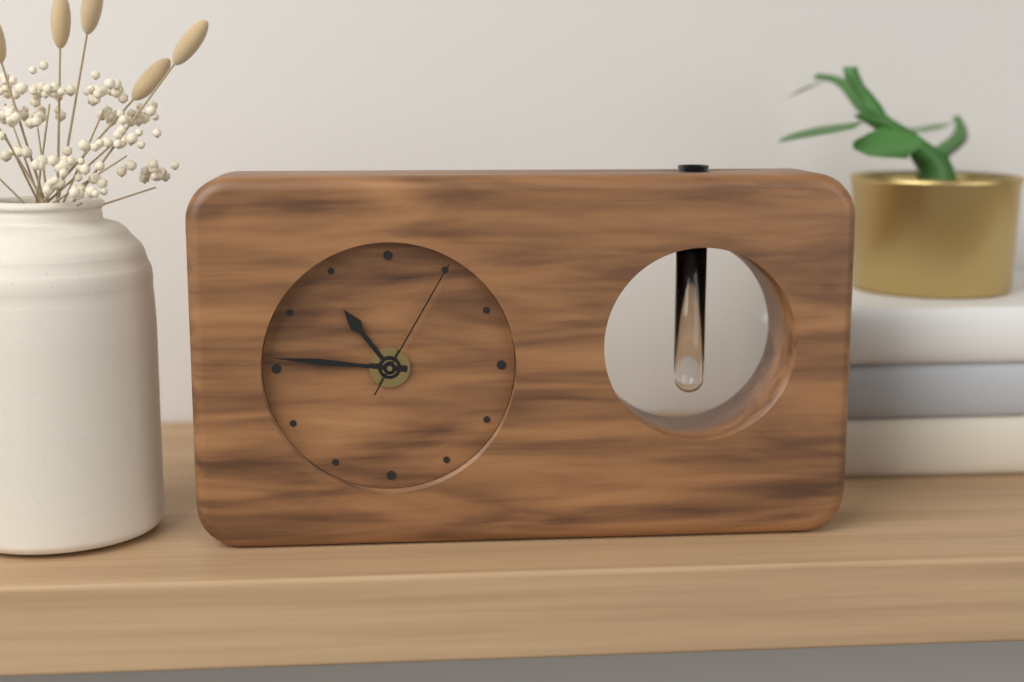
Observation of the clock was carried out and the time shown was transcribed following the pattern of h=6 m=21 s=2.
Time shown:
h=10 m=46 s=5
